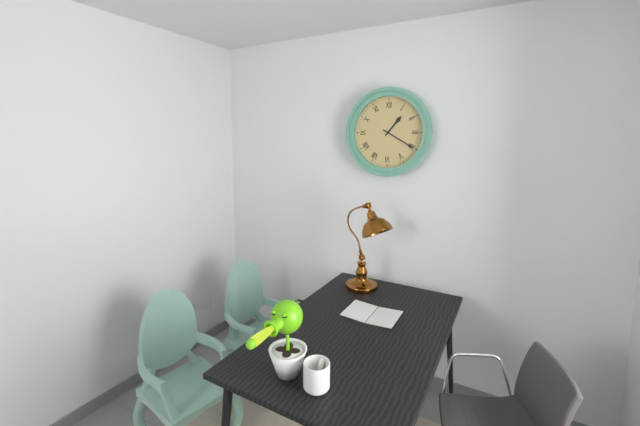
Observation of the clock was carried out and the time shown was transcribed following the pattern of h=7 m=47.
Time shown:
h=1 m=20
